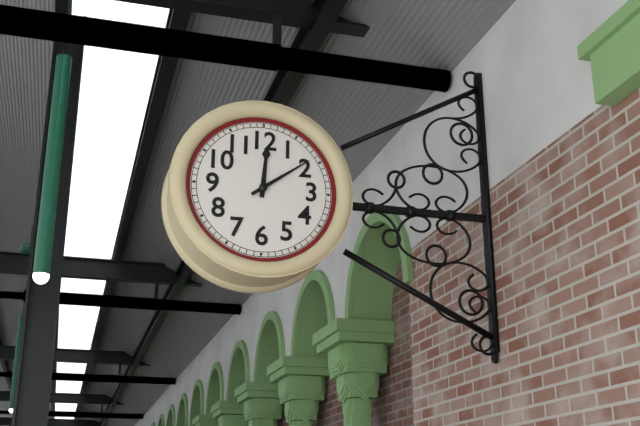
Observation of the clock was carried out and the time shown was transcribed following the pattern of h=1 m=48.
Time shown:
h=12 m=9
